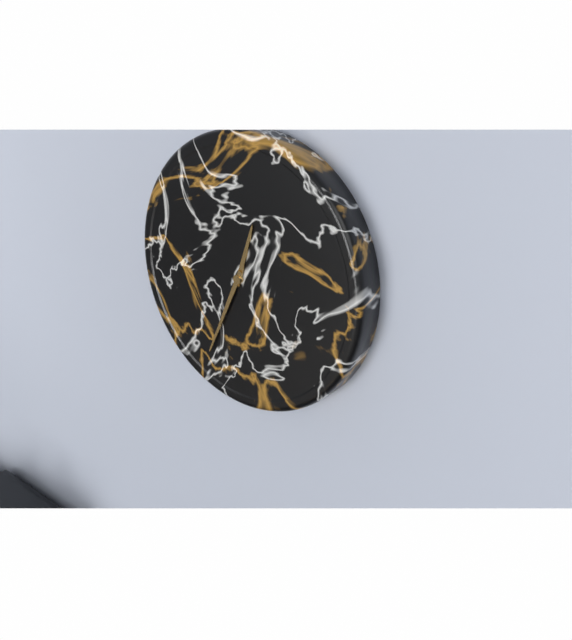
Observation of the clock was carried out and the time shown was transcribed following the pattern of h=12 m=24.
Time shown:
h=12 m=34
